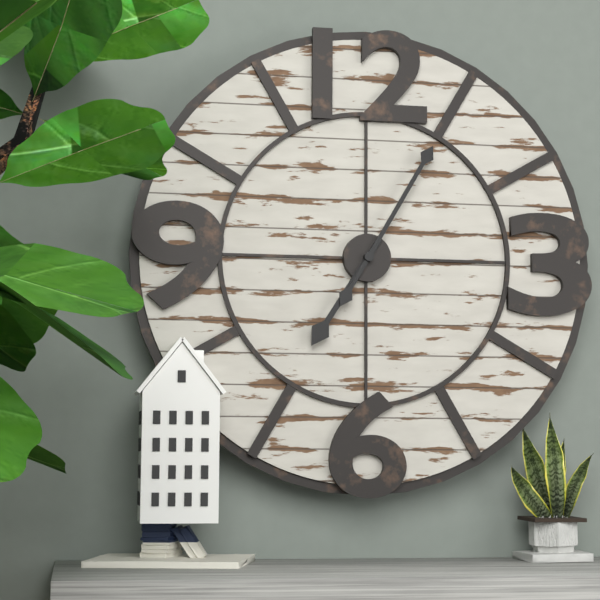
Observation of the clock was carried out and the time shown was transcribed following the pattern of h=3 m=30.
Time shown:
h=7 m=5
